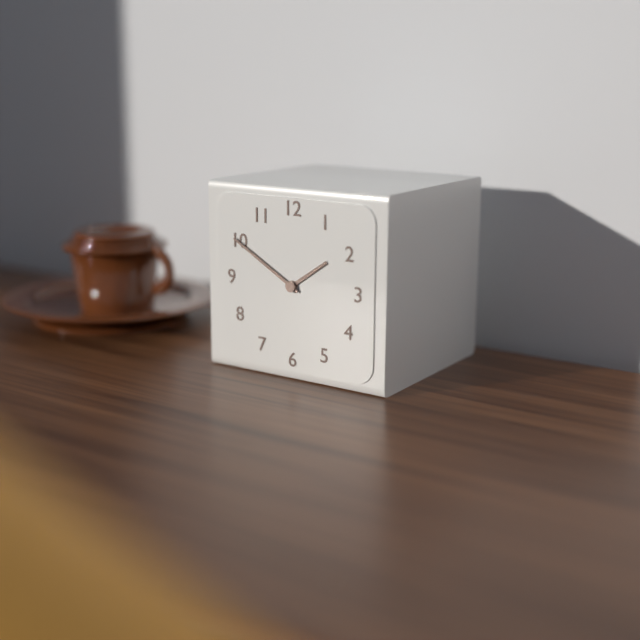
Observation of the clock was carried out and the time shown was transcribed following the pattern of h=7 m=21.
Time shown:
h=1 m=50
